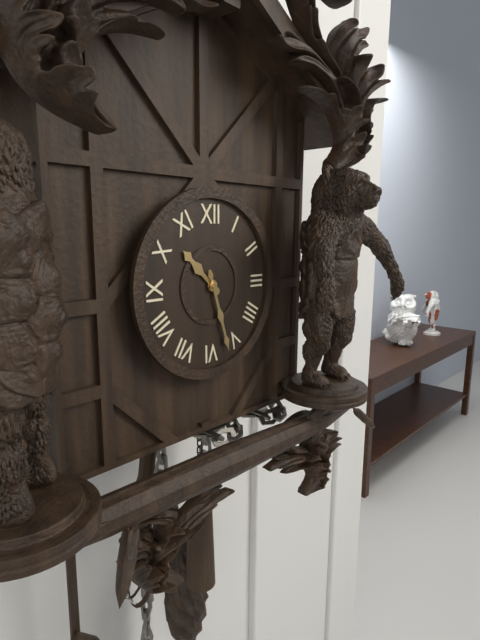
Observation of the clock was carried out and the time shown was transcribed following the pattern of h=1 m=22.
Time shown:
h=10 m=27
